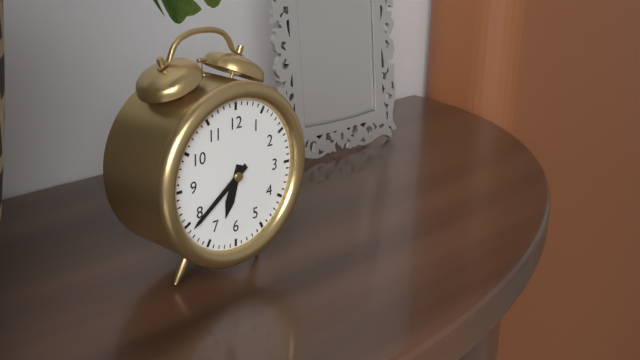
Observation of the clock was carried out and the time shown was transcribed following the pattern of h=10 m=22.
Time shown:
h=6 m=39
